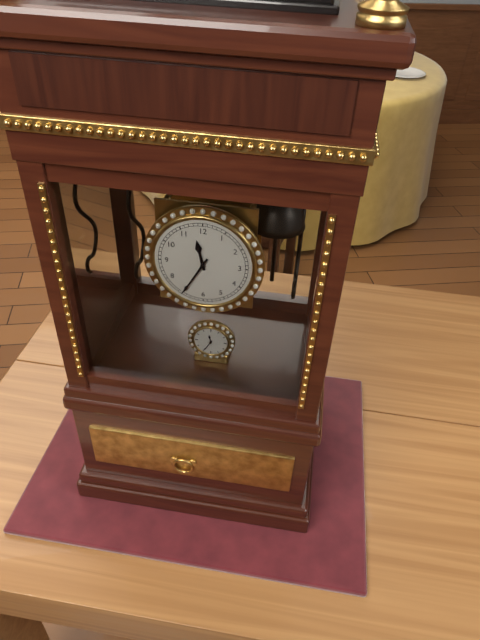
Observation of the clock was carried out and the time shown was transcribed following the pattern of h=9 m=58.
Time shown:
h=11 m=35
